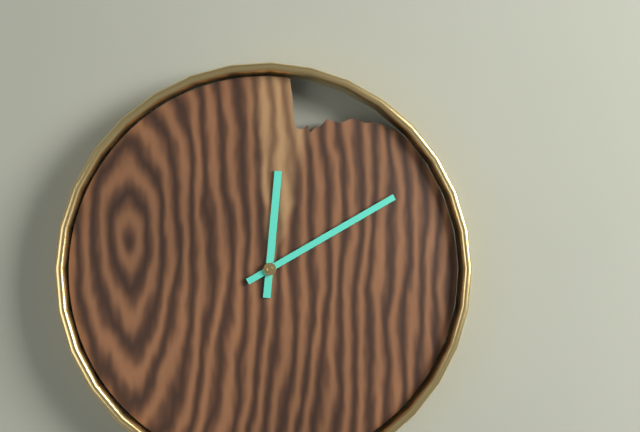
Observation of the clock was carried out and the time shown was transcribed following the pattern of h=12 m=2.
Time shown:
h=12 m=10
